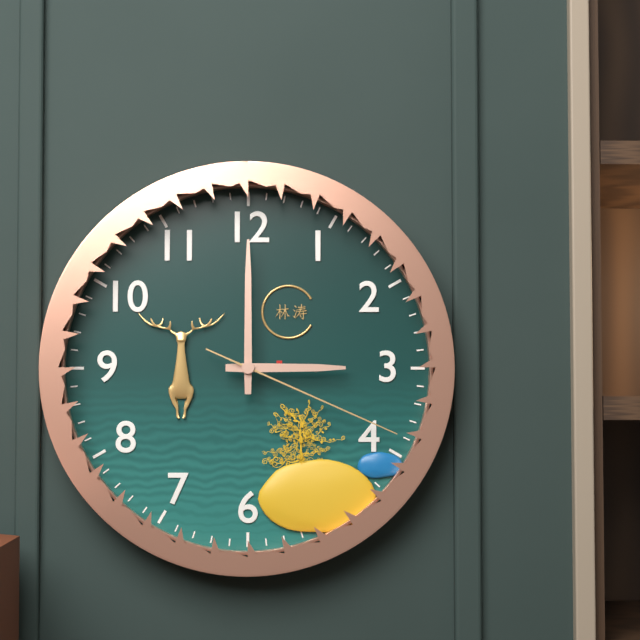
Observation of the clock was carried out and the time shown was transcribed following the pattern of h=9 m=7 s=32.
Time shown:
h=3 m=0 s=19
